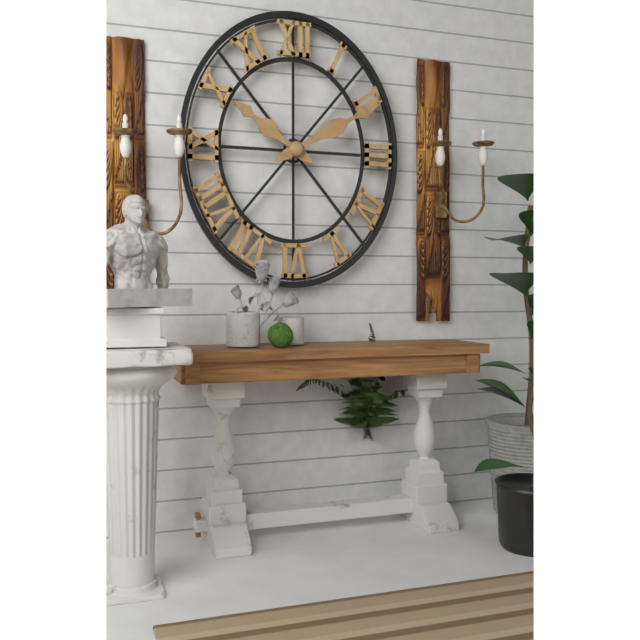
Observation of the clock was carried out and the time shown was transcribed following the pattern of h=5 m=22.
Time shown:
h=10 m=10
